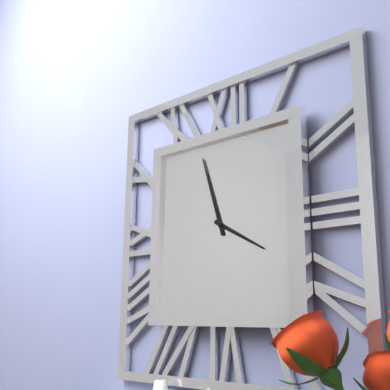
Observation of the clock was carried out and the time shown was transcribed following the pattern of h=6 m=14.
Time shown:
h=3 m=57
